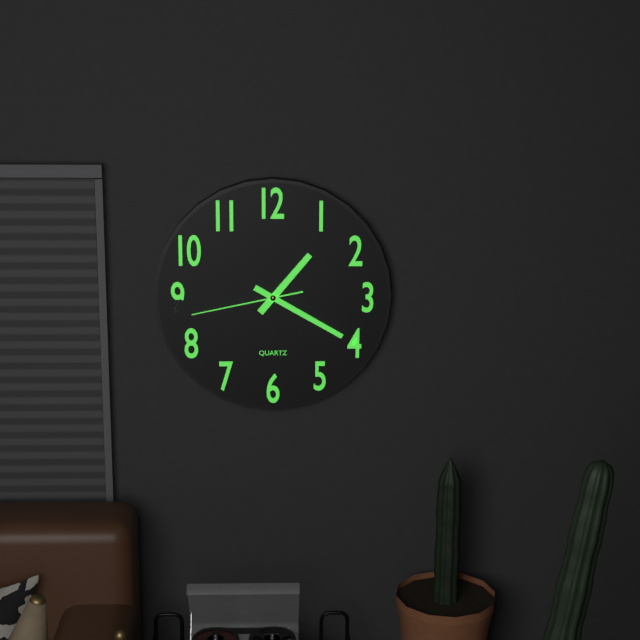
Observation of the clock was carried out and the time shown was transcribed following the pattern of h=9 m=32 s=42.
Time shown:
h=1 m=20 s=43
